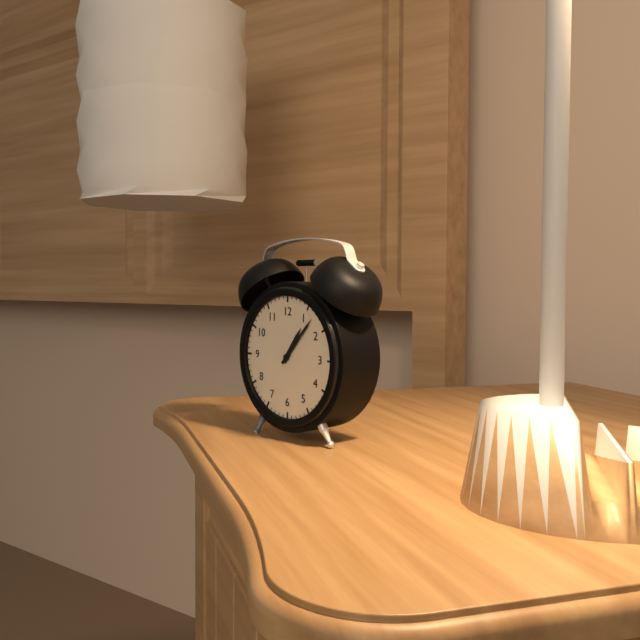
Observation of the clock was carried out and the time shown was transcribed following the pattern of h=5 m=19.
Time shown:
h=1 m=7
